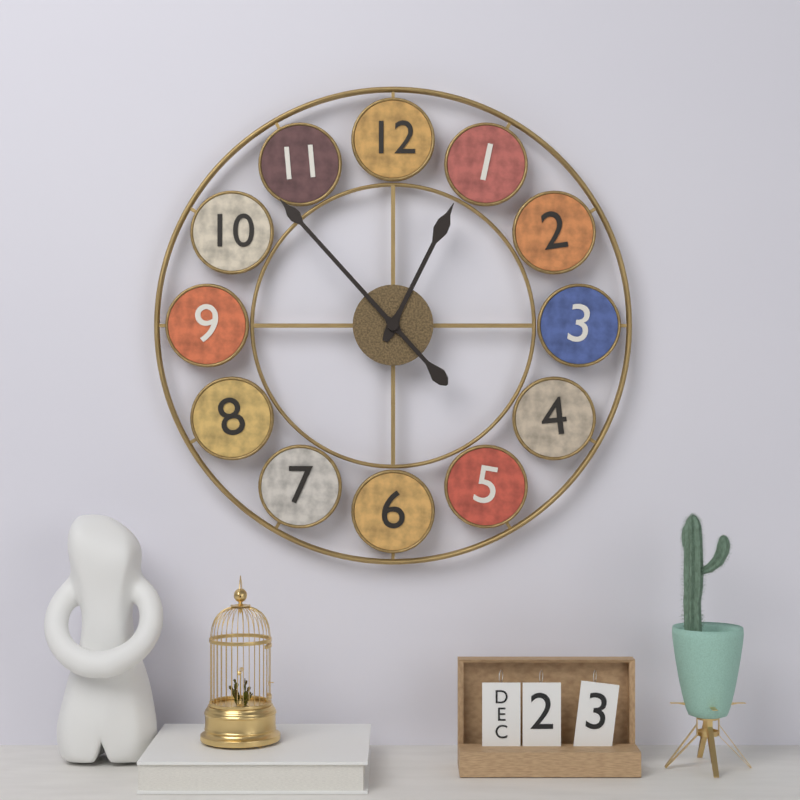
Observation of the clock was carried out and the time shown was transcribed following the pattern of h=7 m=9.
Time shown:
h=12 m=53
